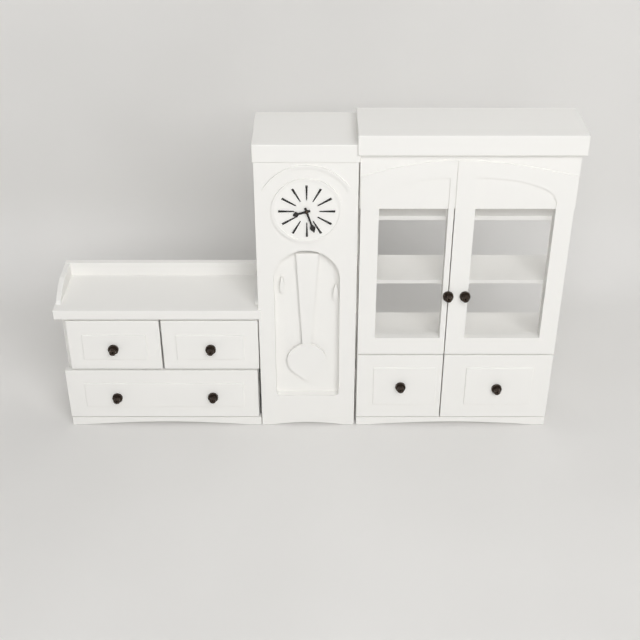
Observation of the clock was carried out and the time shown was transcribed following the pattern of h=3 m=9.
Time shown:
h=8 m=27
